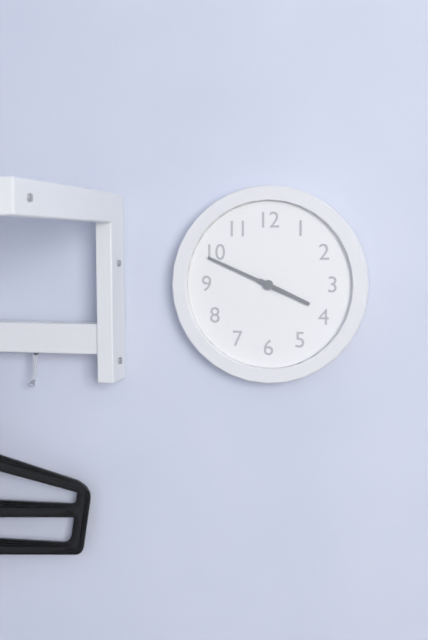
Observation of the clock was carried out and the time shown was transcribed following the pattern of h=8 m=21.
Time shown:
h=3 m=49
